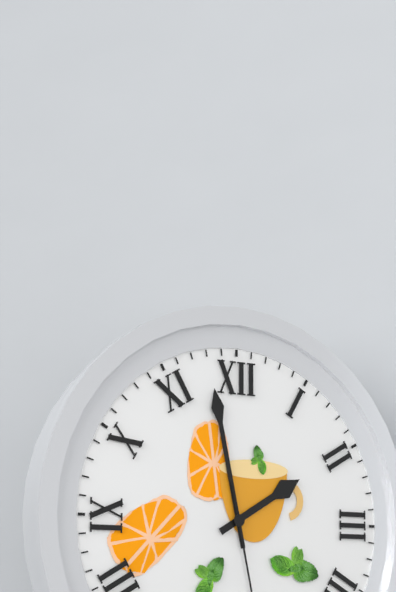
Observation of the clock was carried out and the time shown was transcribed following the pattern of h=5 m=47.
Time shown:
h=1 m=58
